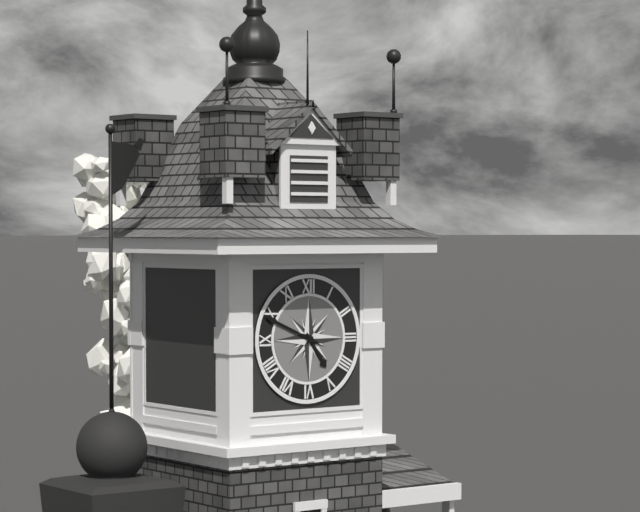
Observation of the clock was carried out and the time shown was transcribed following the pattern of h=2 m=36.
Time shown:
h=4 m=49
